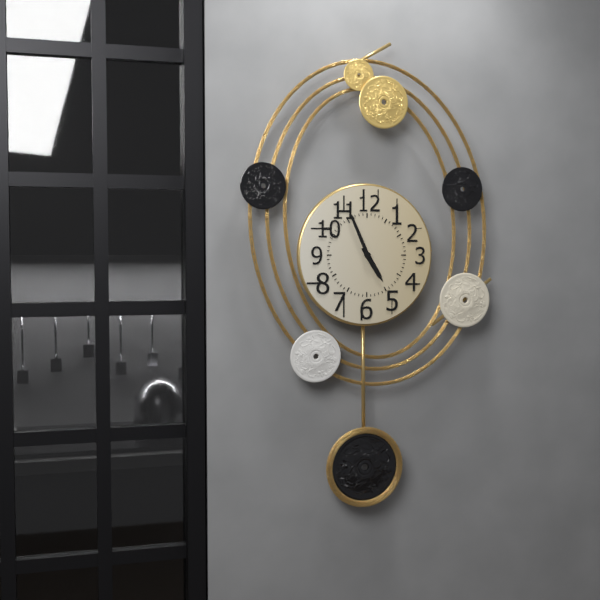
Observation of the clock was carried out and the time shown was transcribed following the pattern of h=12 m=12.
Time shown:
h=4 m=56
